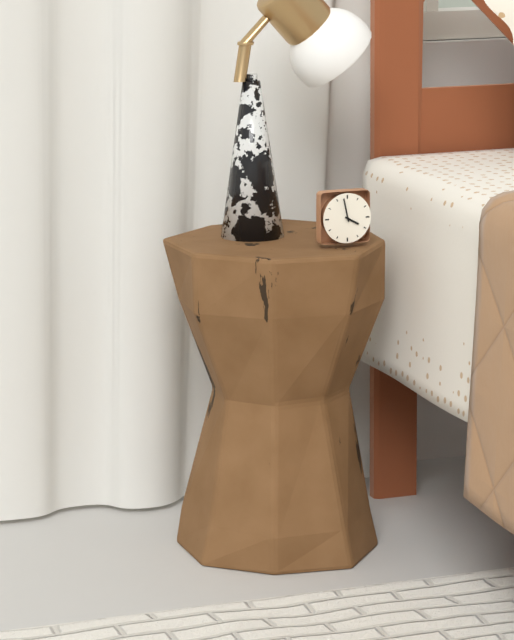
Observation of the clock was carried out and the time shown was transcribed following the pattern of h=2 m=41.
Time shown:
h=3 m=58
